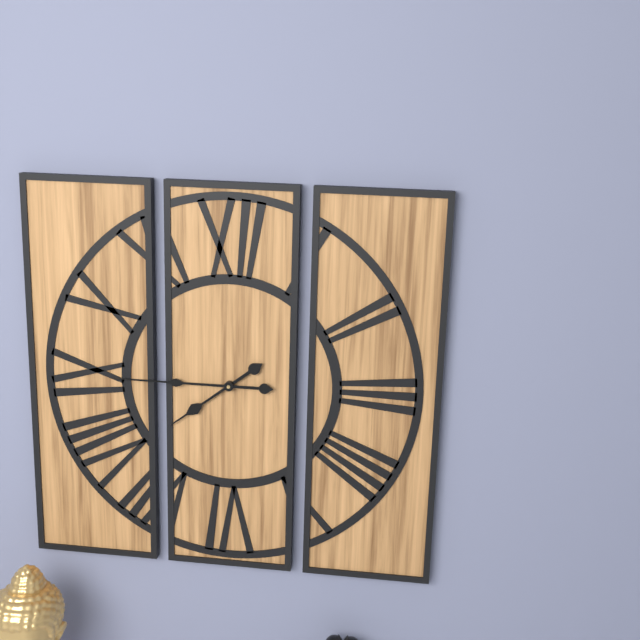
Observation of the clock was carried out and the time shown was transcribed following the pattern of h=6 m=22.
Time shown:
h=7 m=45
